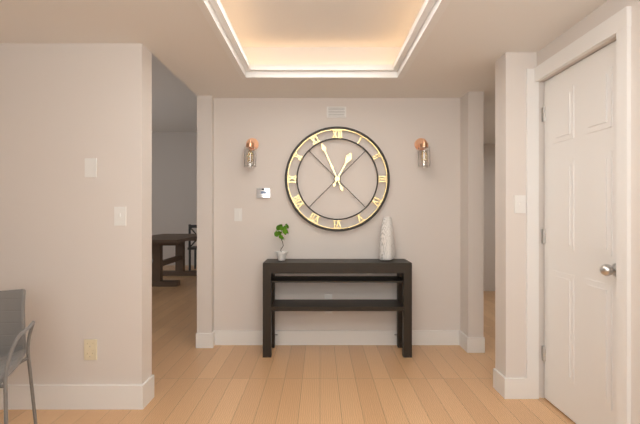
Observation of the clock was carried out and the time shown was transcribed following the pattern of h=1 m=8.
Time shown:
h=12 m=56
